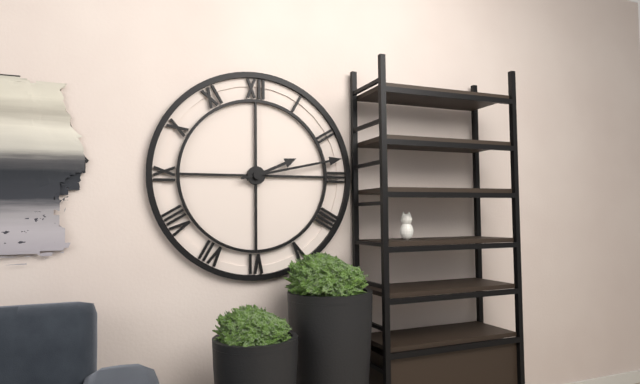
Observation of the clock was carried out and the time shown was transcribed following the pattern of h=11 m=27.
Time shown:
h=2 m=13
